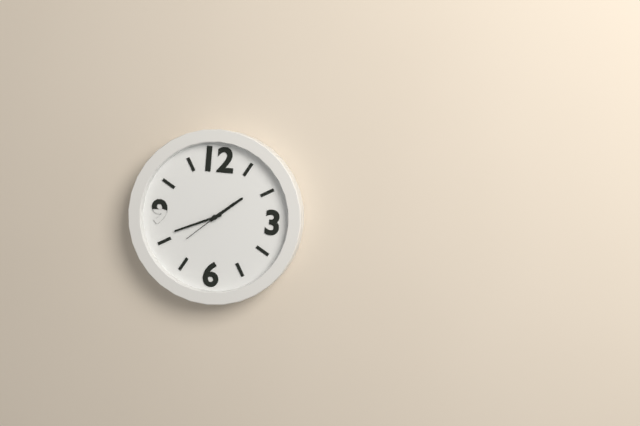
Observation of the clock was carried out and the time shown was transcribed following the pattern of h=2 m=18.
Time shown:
h=1 m=41
